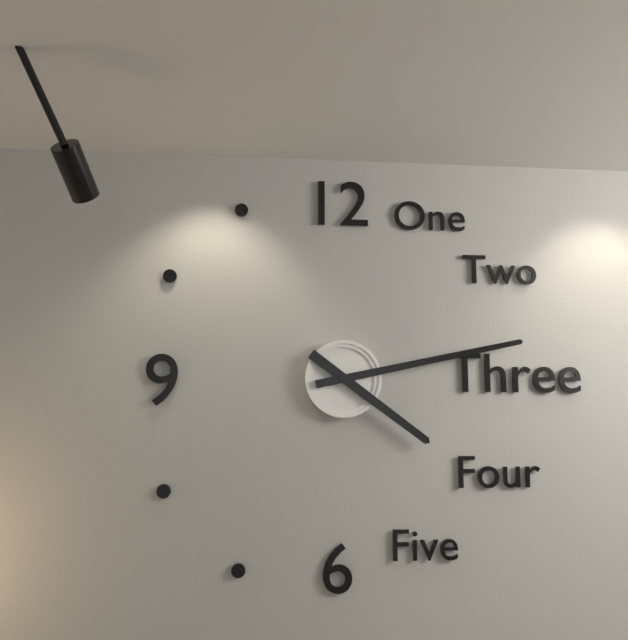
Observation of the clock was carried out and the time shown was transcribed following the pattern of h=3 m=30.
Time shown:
h=4 m=13
